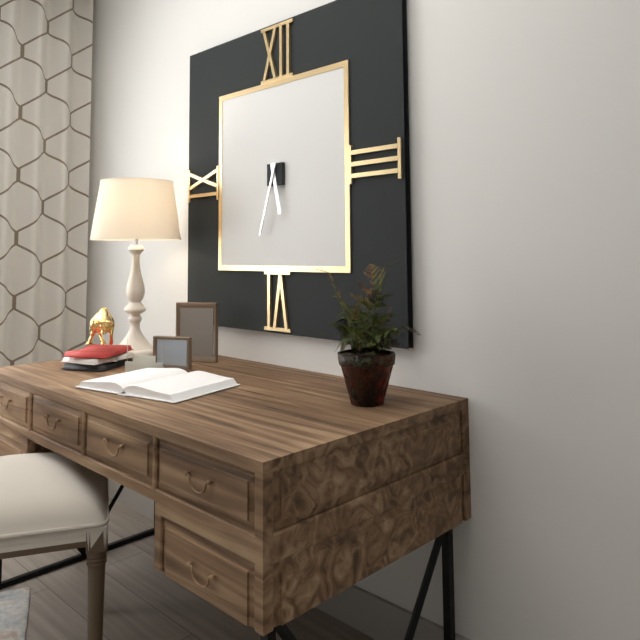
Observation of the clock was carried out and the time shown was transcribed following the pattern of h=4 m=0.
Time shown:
h=5 m=33
